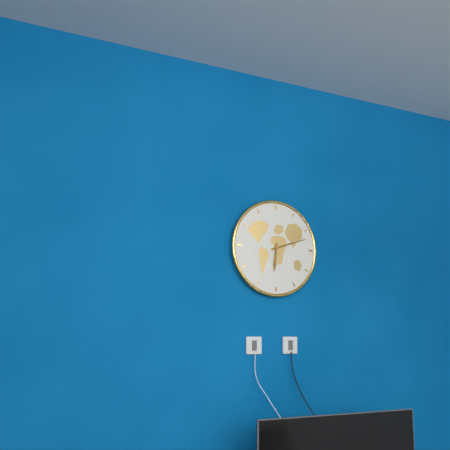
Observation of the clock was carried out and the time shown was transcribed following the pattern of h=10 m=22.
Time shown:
h=6 m=12
